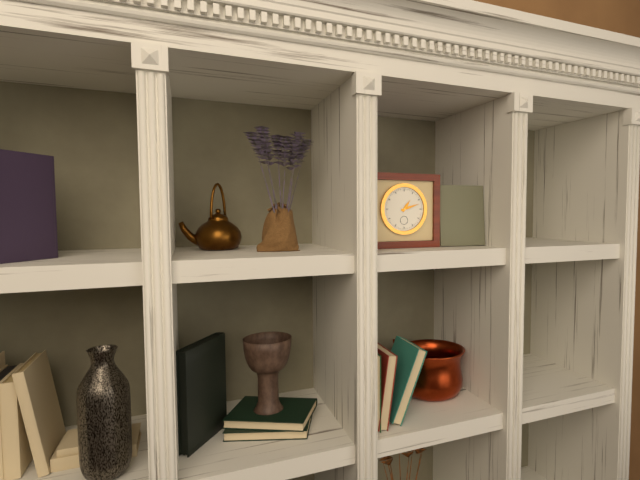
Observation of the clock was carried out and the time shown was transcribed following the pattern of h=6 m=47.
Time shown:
h=1 m=12
